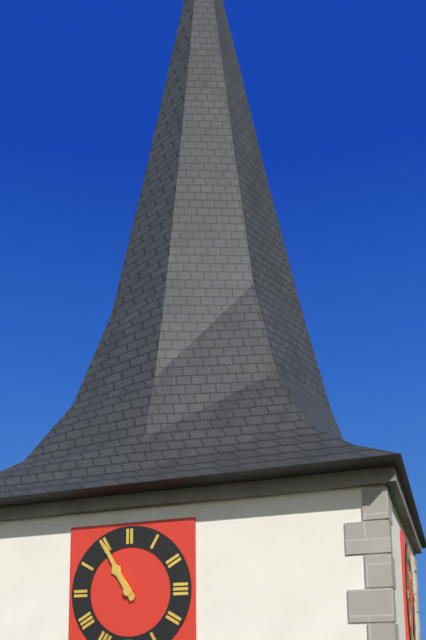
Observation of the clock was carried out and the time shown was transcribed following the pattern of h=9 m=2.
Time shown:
h=10 m=55
